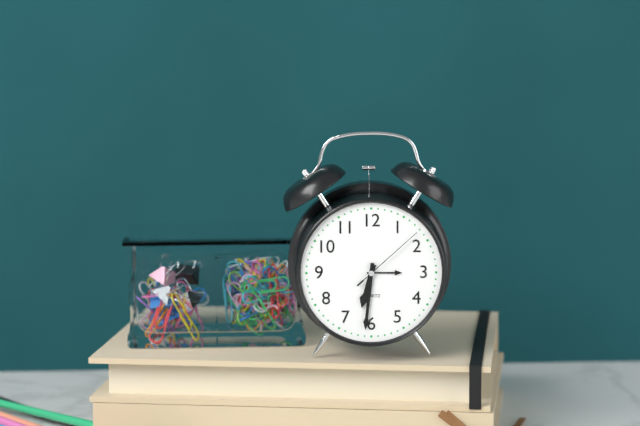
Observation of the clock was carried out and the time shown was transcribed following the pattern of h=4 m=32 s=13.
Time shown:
h=6 m=31 s=8
